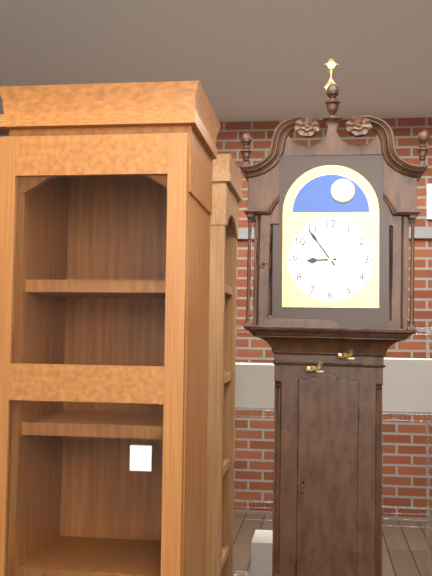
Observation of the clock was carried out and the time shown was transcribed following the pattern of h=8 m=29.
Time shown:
h=8 m=54
